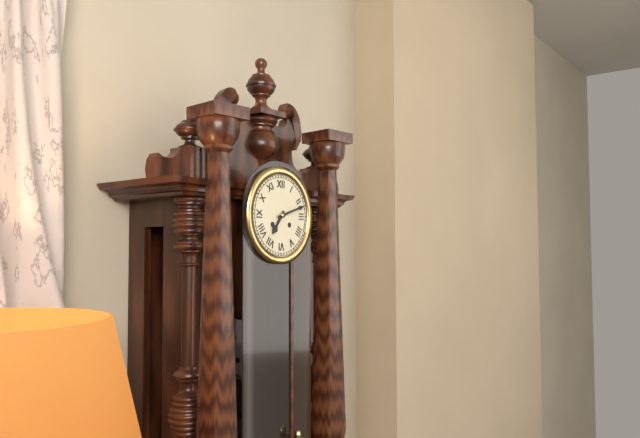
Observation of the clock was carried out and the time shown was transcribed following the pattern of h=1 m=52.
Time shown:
h=7 m=12
